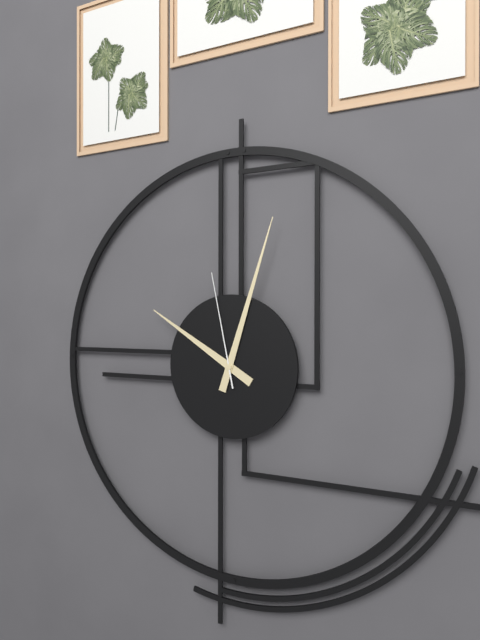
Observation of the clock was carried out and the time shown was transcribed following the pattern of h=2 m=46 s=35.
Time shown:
h=10 m=3 s=58
